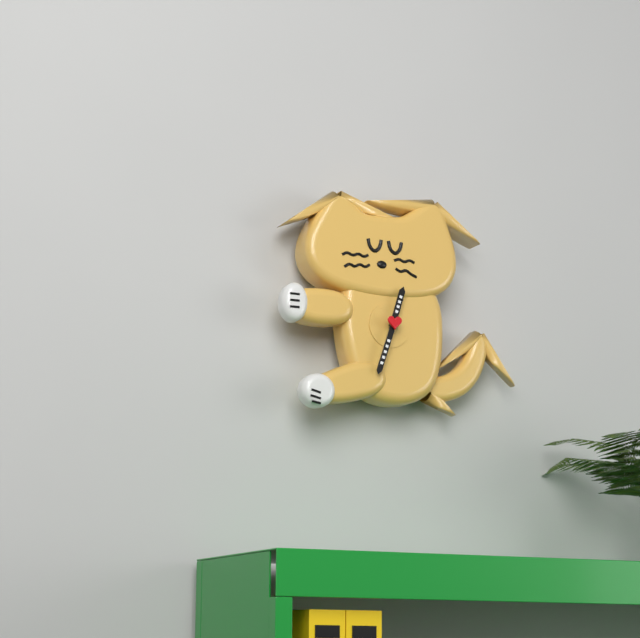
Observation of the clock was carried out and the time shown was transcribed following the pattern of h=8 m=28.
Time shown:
h=12 m=33
